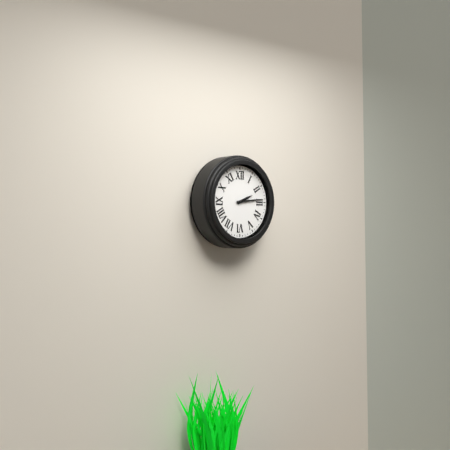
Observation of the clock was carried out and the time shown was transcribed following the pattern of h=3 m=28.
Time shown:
h=2 m=14
